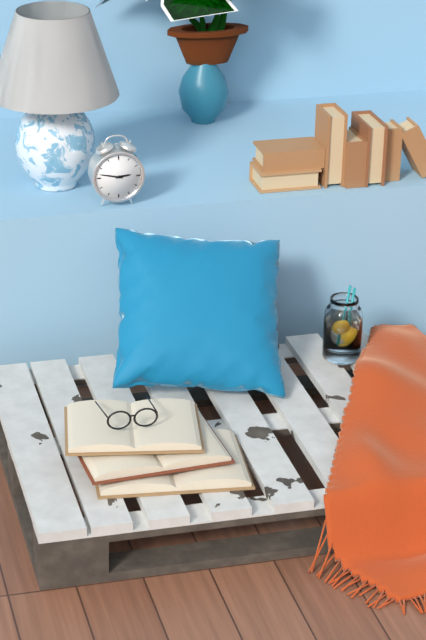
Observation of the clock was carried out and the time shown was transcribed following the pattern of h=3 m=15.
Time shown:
h=2 m=47
